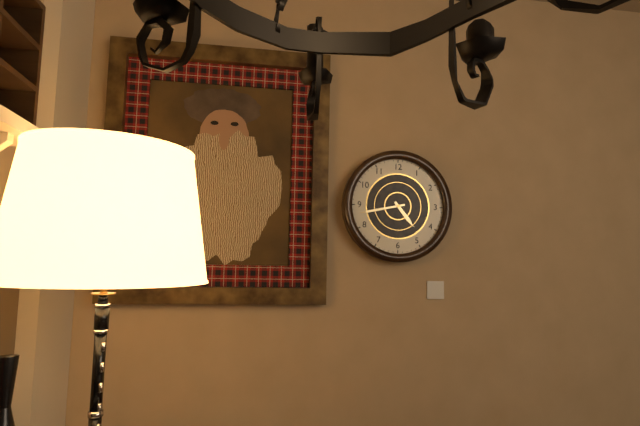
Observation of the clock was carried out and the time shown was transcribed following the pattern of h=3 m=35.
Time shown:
h=4 m=43
